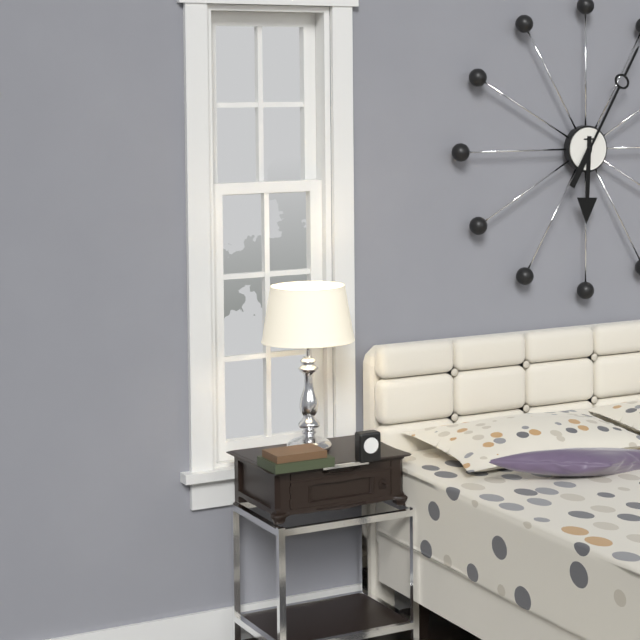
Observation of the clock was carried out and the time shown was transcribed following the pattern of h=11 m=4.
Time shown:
h=6 m=5
